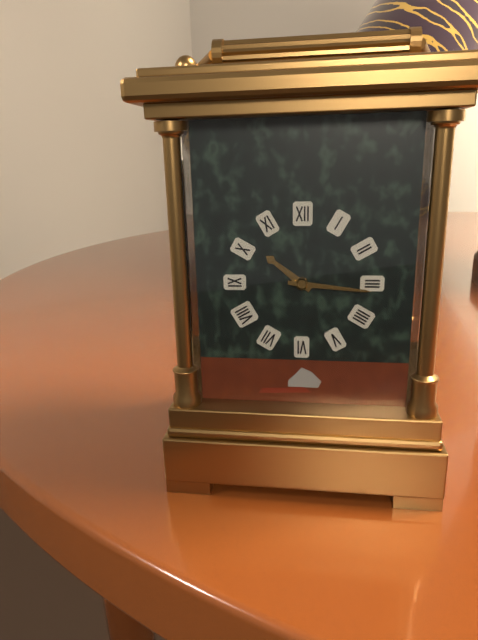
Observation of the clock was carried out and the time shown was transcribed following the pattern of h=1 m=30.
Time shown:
h=10 m=16
